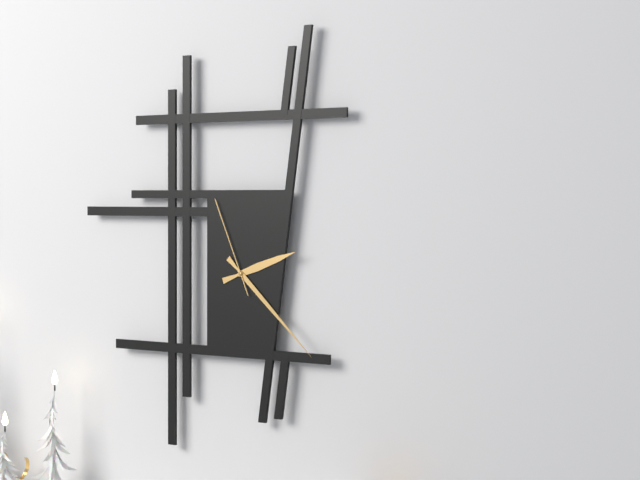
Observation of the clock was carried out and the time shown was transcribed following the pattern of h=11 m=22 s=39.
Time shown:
h=2 m=22 s=56
